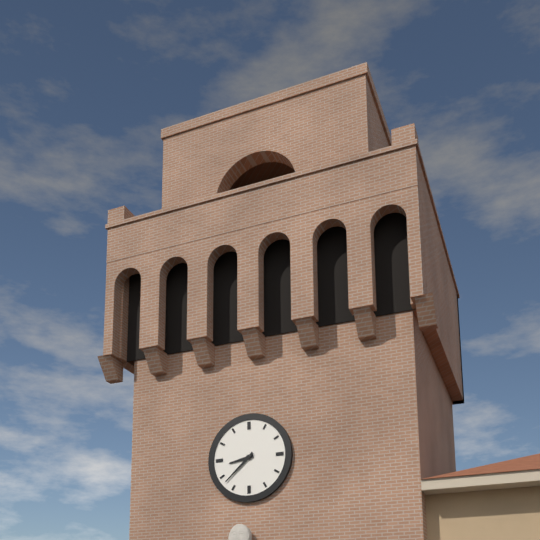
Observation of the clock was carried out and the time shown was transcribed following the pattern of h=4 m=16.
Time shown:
h=8 m=38
